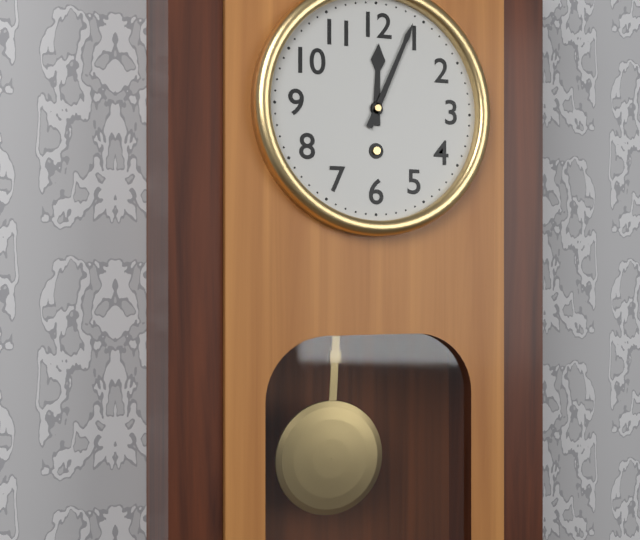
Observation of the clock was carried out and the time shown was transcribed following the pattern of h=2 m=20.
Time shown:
h=12 m=4
